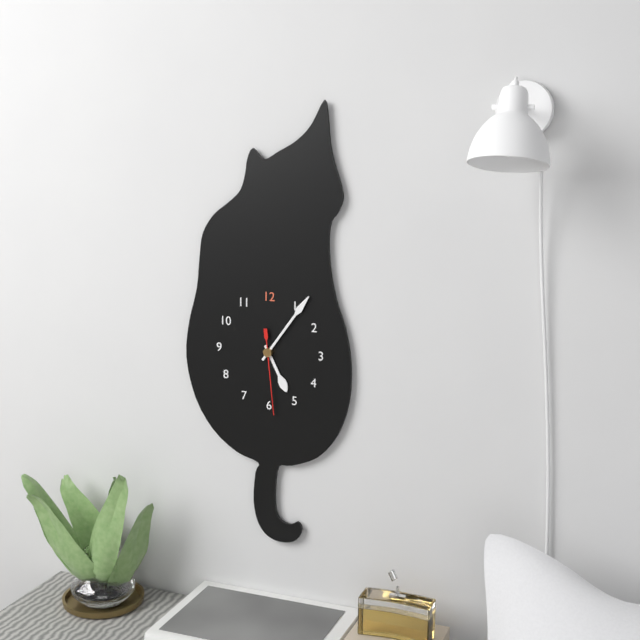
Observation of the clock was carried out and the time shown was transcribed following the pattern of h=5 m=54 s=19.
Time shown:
h=5 m=6 s=29
